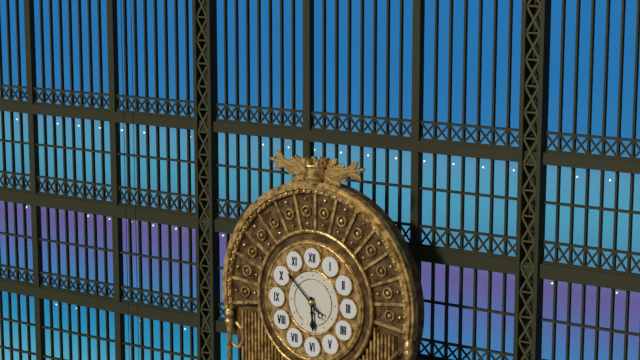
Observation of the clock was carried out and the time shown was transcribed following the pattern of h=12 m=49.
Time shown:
h=5 m=52
